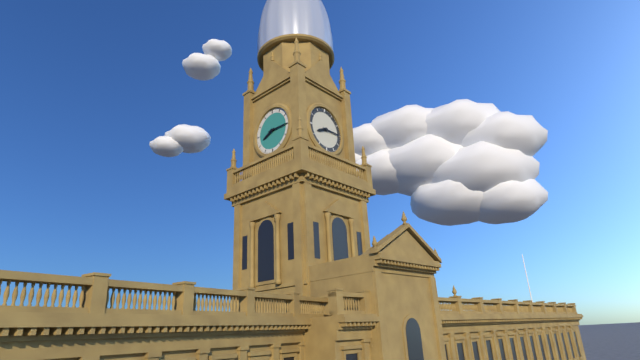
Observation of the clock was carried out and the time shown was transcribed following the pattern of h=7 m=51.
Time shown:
h=8 m=15
